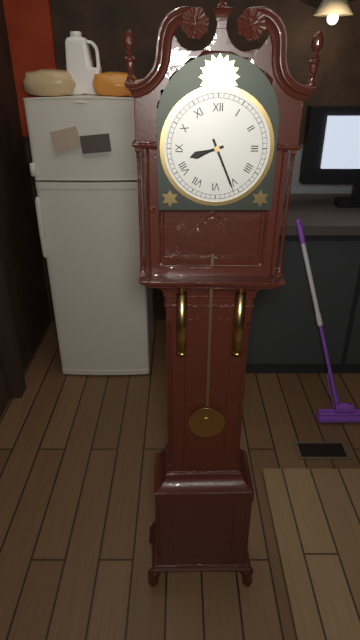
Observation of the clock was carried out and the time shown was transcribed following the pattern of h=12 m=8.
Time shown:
h=8 m=26
